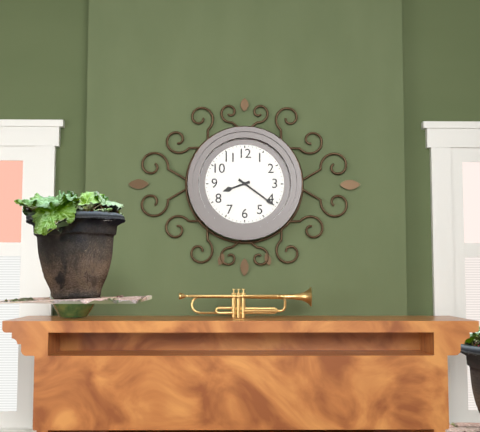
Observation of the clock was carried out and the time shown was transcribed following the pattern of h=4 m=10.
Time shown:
h=8 m=21
